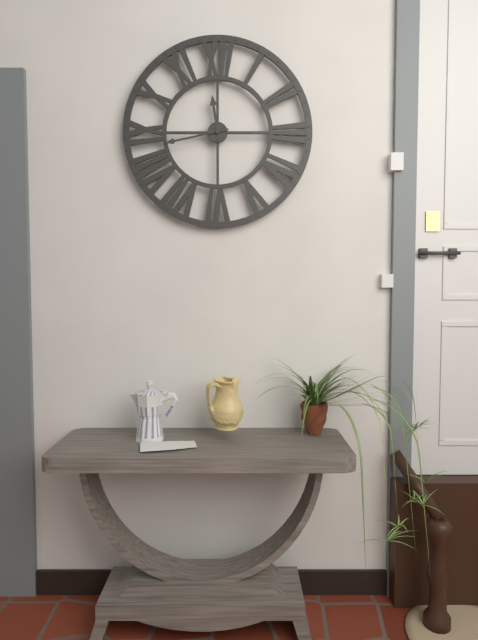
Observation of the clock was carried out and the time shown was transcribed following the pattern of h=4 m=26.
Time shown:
h=11 m=43
